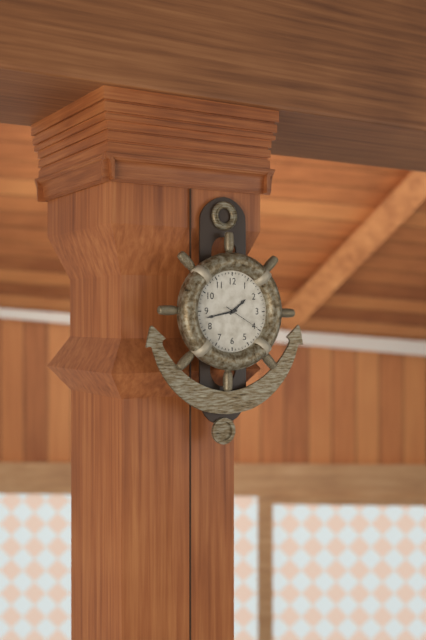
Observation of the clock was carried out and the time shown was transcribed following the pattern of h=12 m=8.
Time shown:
h=1 m=43
